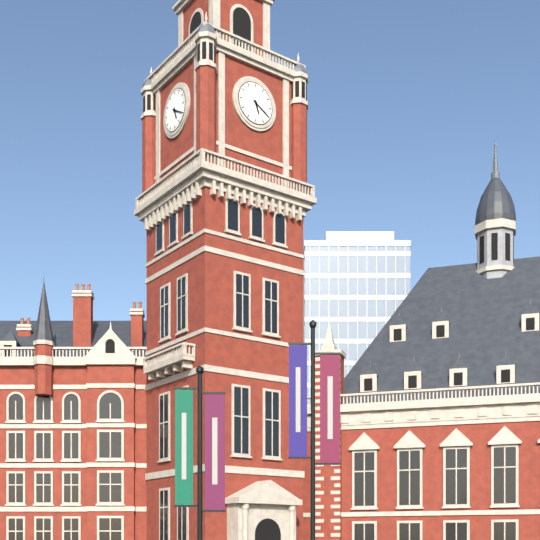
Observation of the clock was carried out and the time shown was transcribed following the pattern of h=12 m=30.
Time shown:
h=5 m=20
